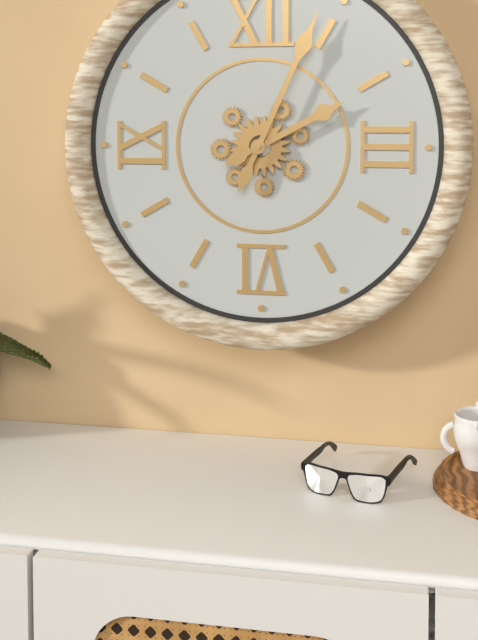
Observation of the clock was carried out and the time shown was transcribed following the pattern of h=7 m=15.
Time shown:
h=2 m=4
